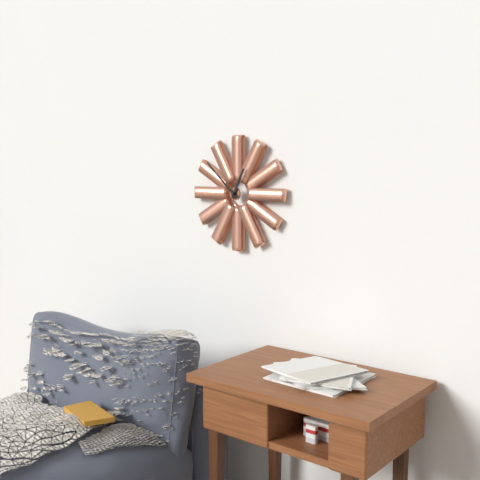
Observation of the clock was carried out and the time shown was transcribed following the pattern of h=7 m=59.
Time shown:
h=12 m=52
